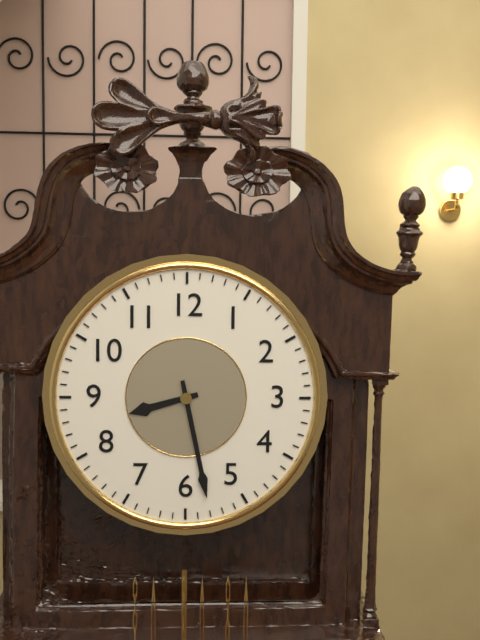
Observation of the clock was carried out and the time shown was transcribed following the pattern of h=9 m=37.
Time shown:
h=8 m=28
